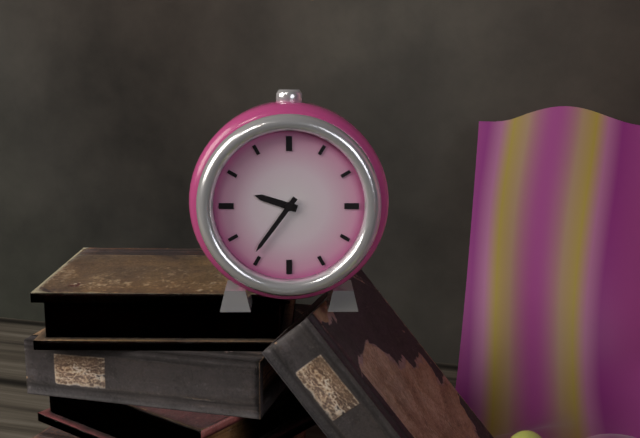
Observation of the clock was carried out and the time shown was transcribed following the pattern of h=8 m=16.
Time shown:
h=9 m=36
